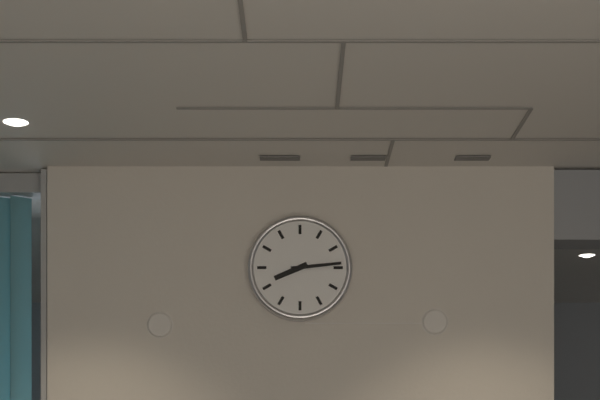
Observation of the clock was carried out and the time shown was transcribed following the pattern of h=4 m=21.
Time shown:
h=8 m=14
